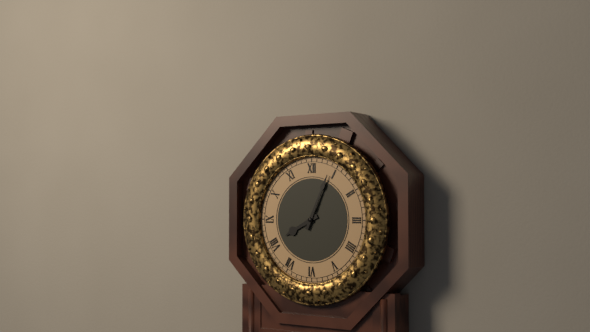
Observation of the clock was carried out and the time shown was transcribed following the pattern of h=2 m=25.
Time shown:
h=8 m=4
